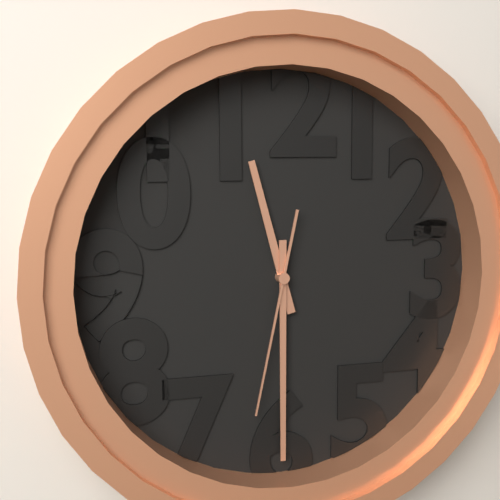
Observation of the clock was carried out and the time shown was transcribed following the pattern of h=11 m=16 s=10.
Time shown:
h=11 m=30 s=32
